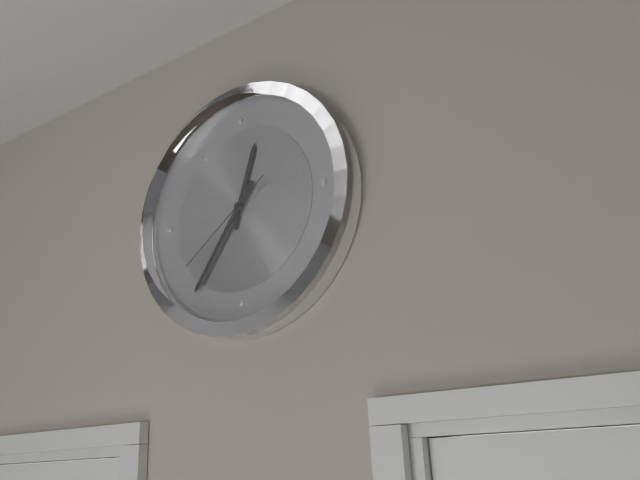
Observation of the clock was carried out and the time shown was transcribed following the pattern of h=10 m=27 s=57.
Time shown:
h=12 m=36 s=39
